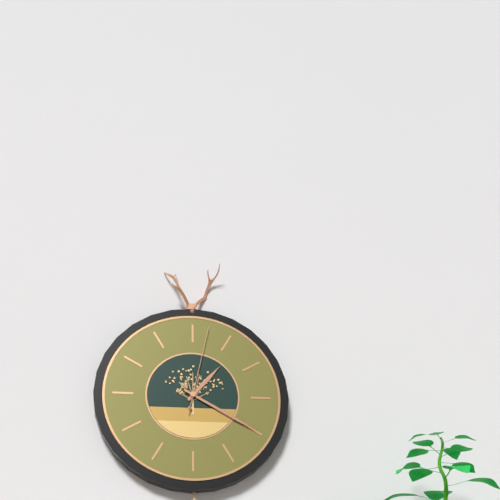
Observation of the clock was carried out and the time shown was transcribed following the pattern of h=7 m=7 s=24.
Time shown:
h=1 m=20 s=2
